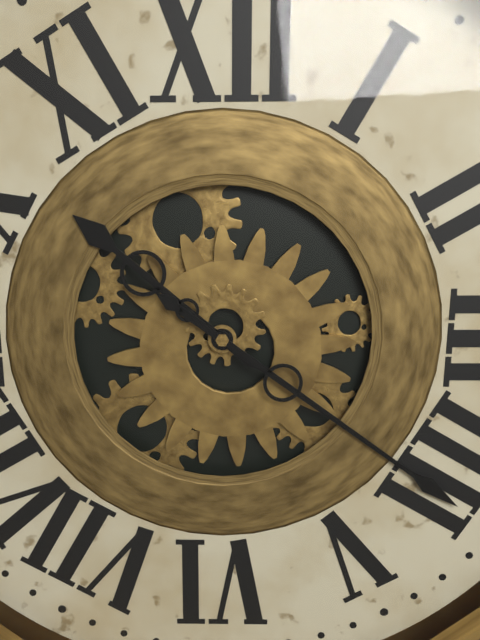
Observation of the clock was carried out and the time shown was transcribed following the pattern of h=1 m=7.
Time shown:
h=10 m=21
